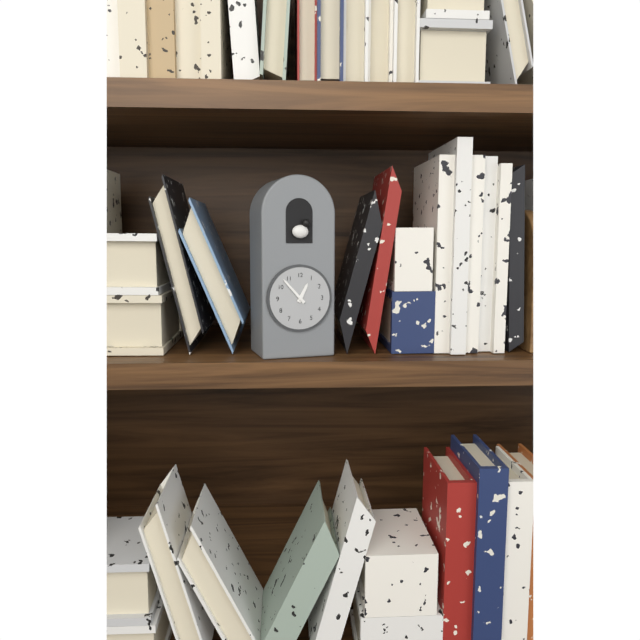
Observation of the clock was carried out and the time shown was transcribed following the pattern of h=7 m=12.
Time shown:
h=12 m=53
